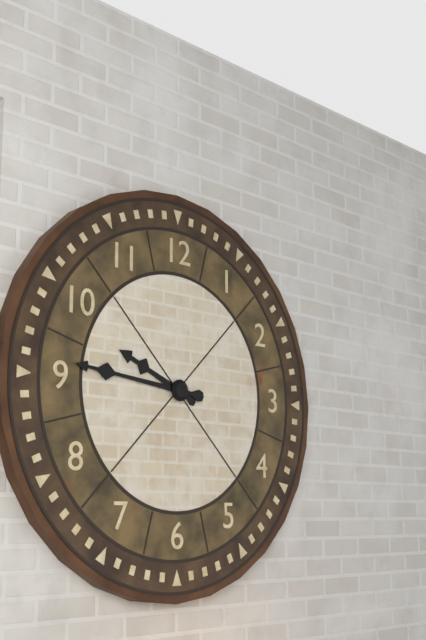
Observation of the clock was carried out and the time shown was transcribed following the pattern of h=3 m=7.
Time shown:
h=9 m=46
